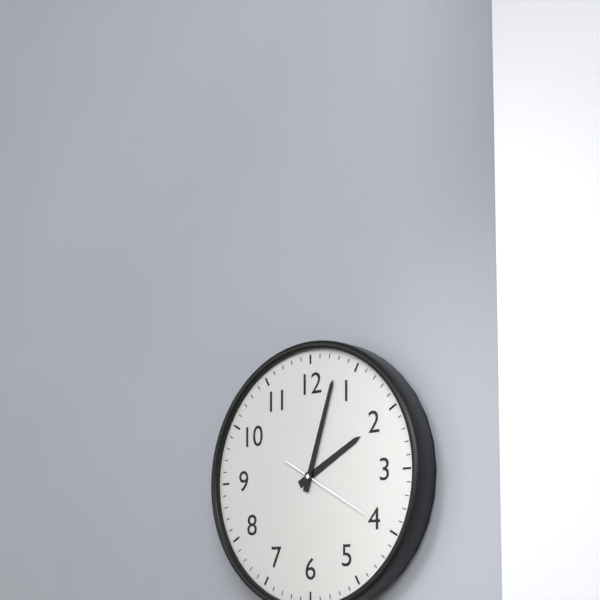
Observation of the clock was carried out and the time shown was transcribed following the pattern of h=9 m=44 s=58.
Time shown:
h=2 m=3 s=20
